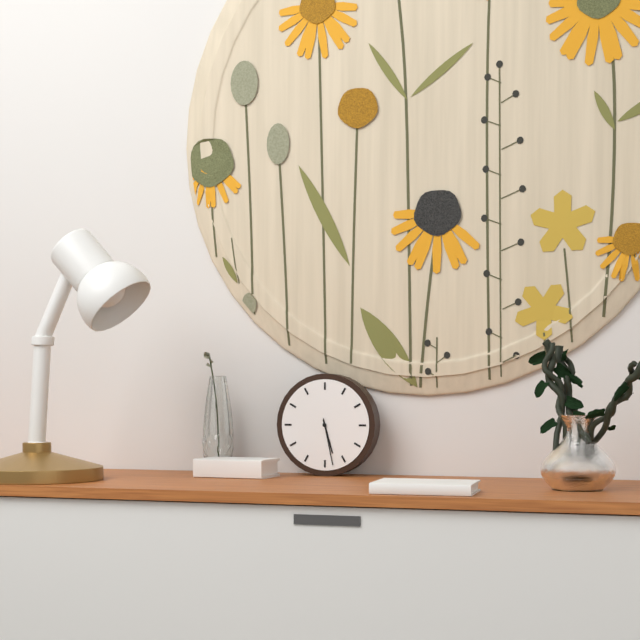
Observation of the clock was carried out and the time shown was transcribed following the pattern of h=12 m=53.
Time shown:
h=5 m=28
